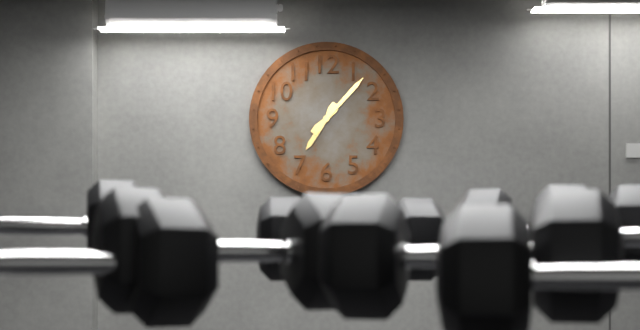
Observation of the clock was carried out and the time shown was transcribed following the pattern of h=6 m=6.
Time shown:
h=7 m=7
